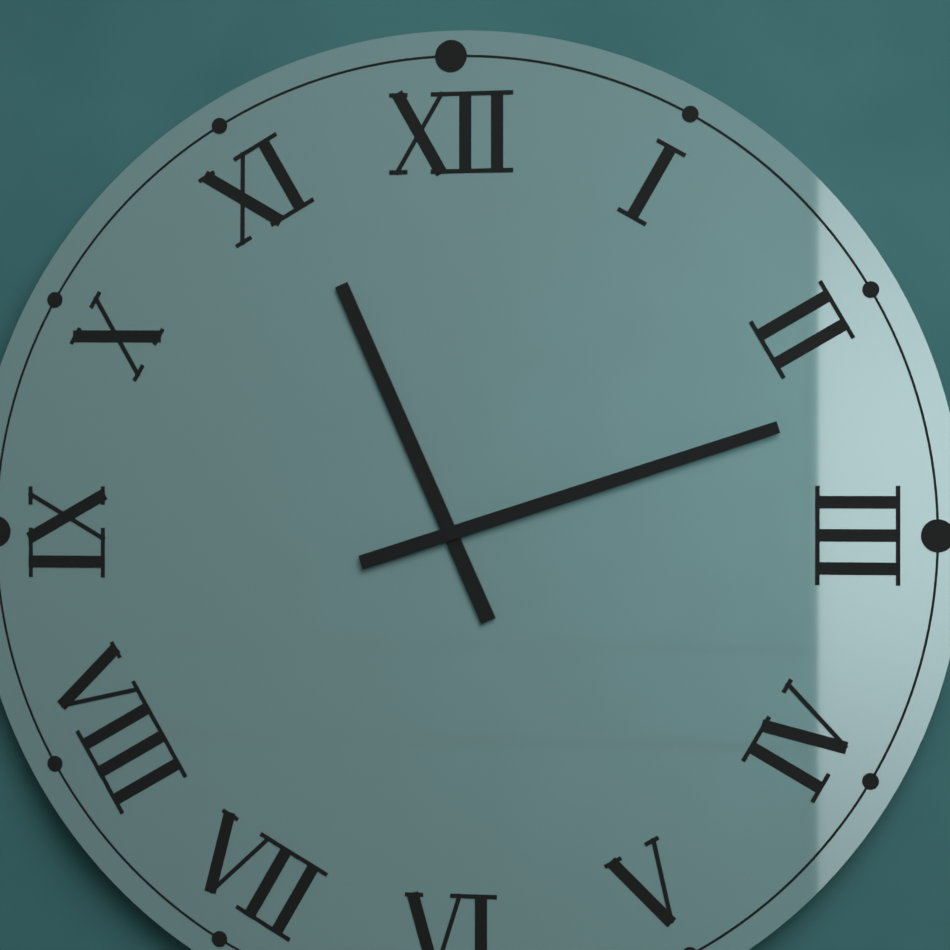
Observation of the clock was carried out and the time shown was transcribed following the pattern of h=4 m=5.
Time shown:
h=11 m=12
